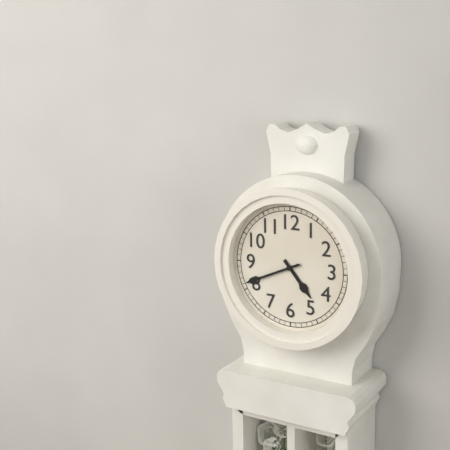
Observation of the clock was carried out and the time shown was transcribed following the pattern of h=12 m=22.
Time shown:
h=4 m=41
